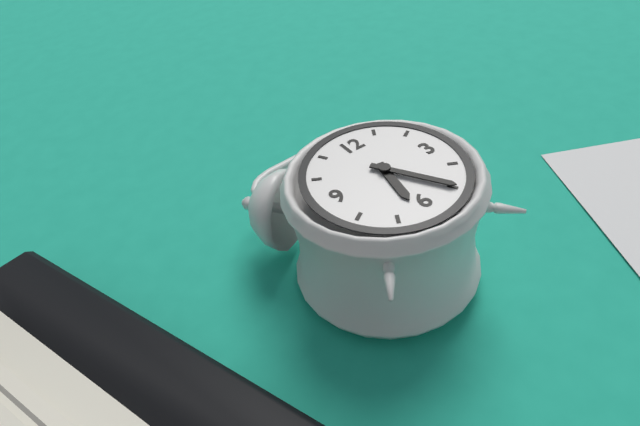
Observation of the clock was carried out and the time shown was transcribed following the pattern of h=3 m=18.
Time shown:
h=6 m=25
